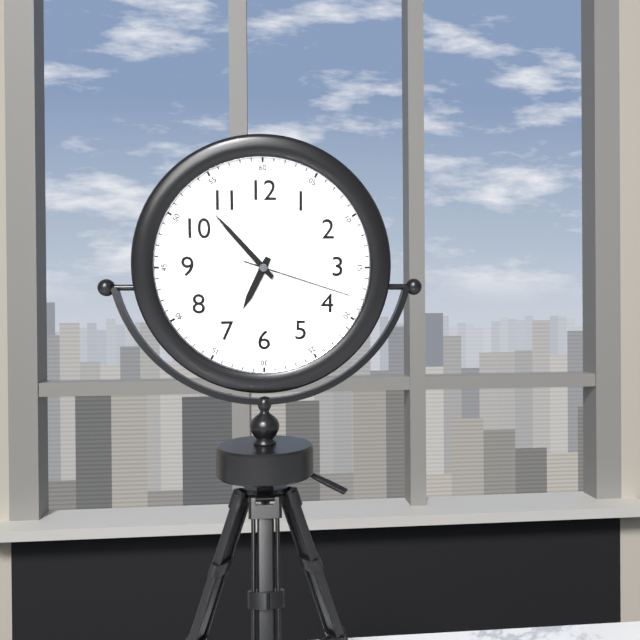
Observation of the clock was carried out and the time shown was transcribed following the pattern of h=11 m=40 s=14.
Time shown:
h=6 m=53 s=18
